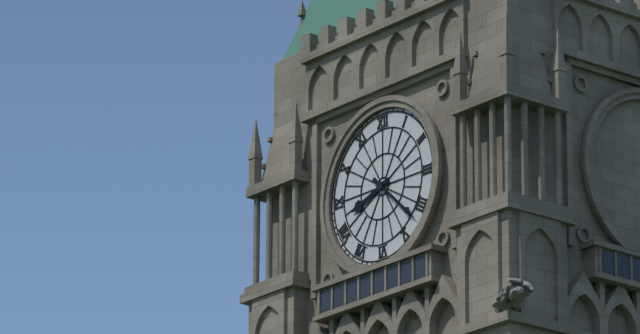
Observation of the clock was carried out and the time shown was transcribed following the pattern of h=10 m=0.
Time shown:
h=8 m=22
